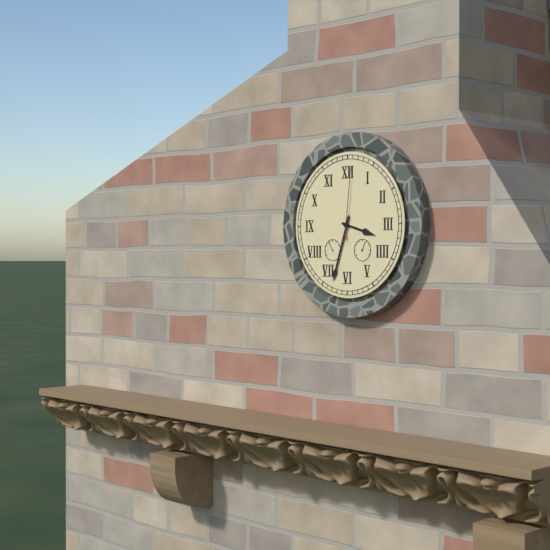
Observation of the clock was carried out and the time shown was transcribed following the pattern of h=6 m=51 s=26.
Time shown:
h=3 m=33 s=1
